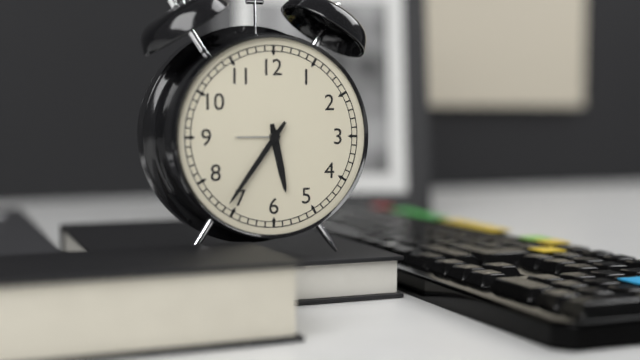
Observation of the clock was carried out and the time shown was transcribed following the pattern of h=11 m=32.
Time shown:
h=5 m=36
